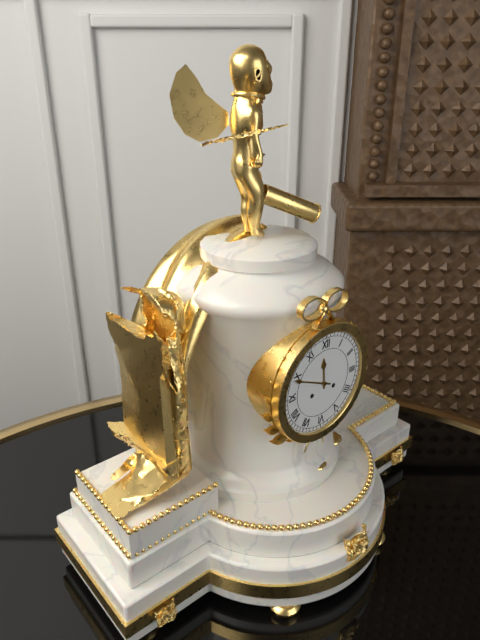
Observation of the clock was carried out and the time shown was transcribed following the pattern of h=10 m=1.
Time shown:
h=11 m=49
